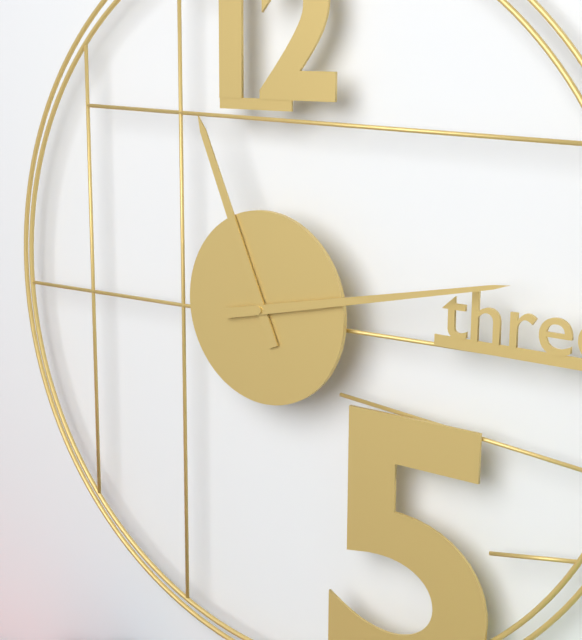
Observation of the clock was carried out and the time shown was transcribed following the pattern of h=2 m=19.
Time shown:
h=11 m=13
